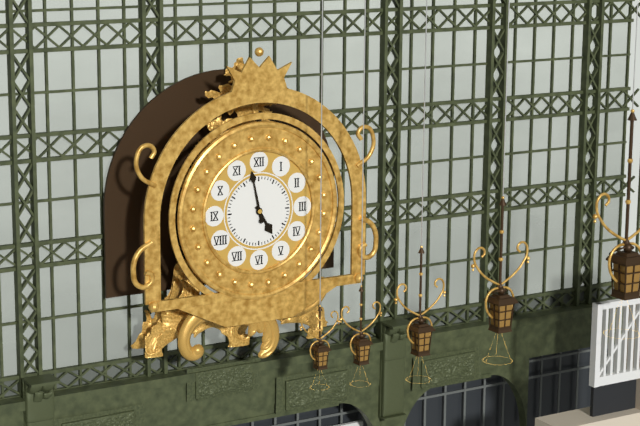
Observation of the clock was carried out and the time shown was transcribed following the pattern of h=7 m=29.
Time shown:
h=4 m=58
